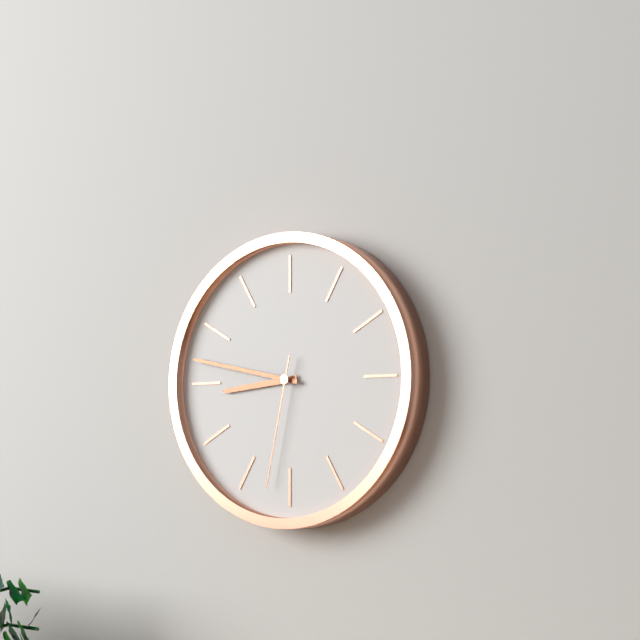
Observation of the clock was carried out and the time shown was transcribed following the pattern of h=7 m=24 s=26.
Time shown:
h=8 m=47 s=32
